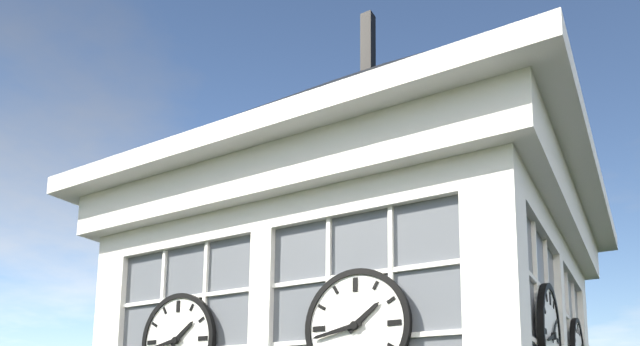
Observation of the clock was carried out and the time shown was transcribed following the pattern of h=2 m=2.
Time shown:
h=1 m=43
